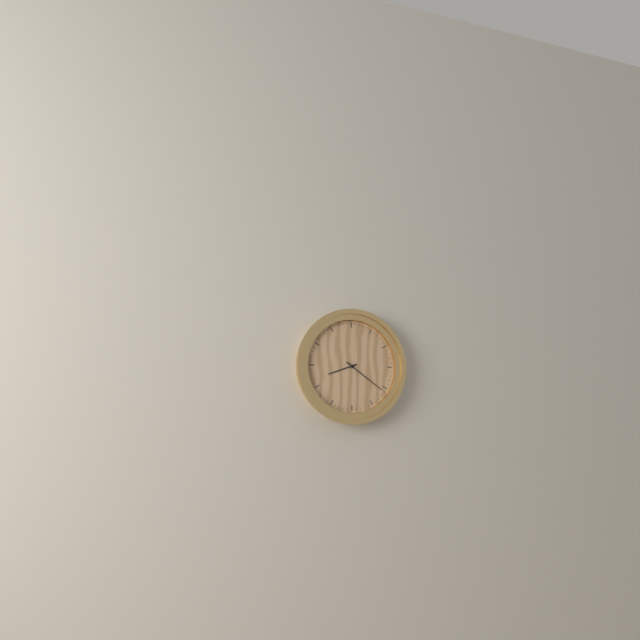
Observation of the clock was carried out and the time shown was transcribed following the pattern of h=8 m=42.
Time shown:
h=8 m=21
